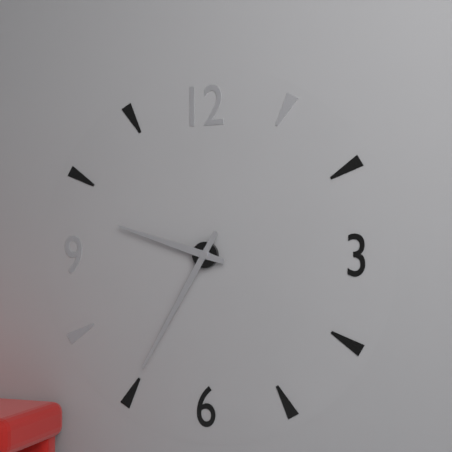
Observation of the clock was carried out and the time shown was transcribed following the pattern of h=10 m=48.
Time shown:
h=9 m=35
